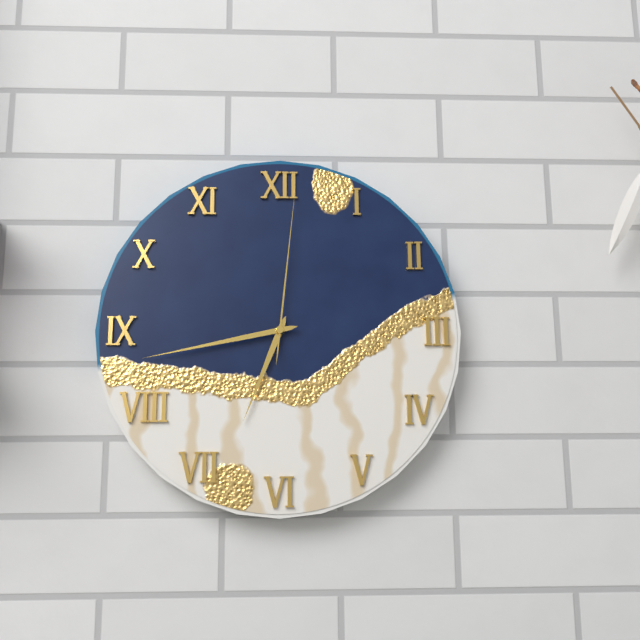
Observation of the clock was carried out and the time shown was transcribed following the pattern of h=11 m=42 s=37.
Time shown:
h=6 m=43 s=1
